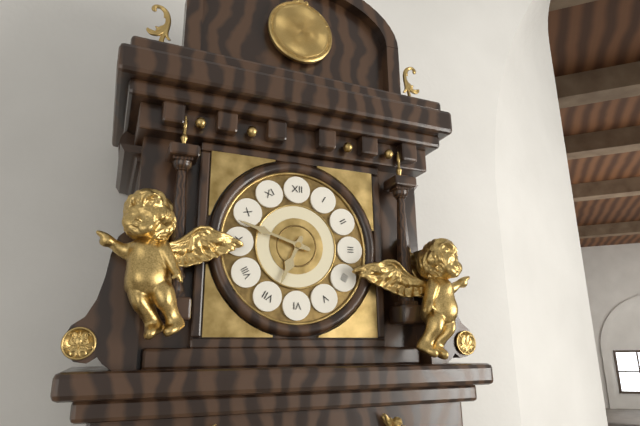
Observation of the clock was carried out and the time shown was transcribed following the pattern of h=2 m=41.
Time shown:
h=6 m=48
